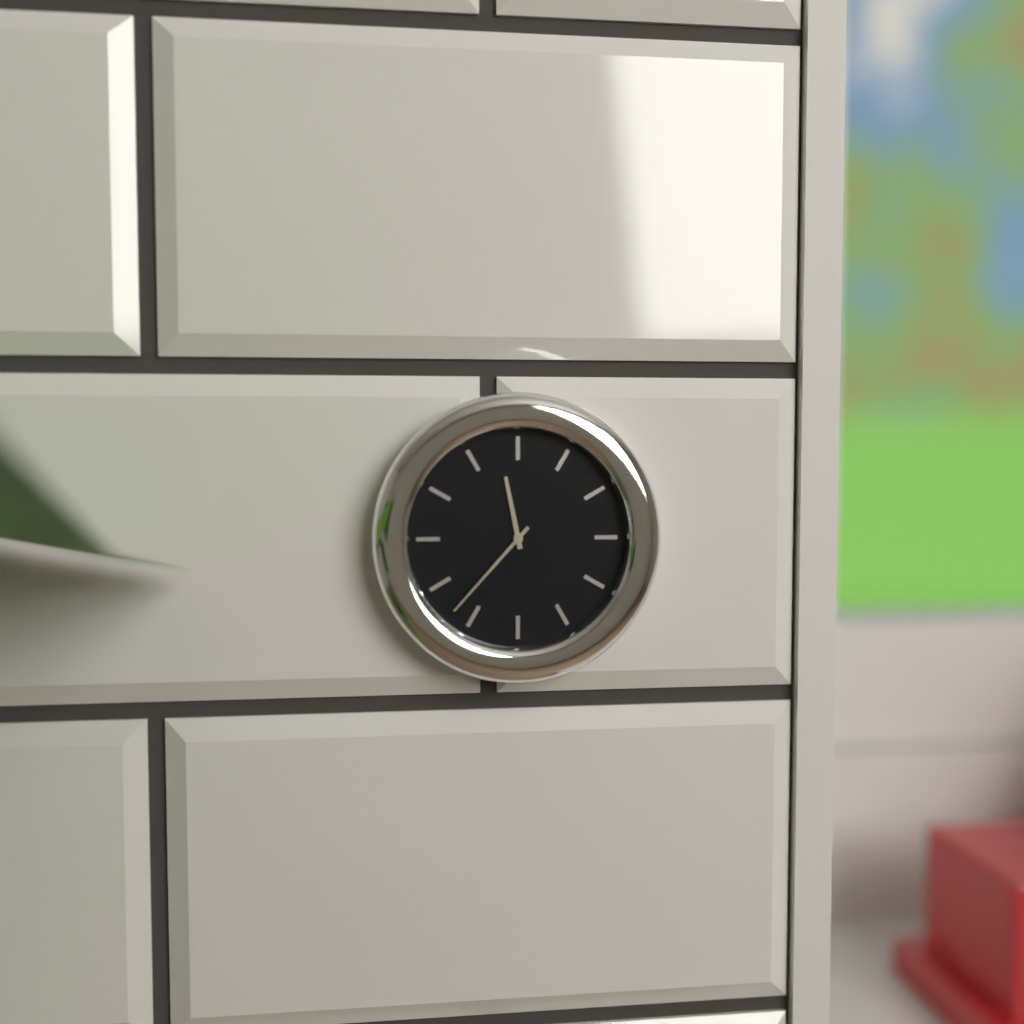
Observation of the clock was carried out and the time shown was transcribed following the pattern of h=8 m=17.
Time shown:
h=11 m=37
